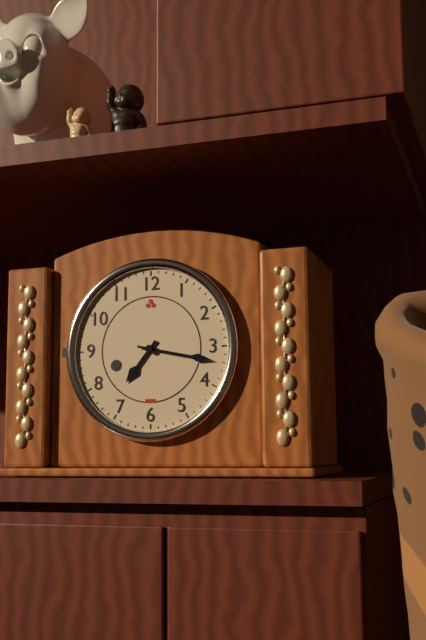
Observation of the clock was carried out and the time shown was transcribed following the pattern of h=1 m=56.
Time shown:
h=7 m=17
